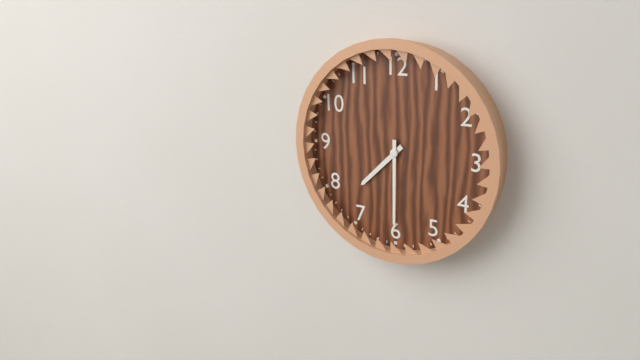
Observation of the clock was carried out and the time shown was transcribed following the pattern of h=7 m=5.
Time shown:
h=7 m=30
